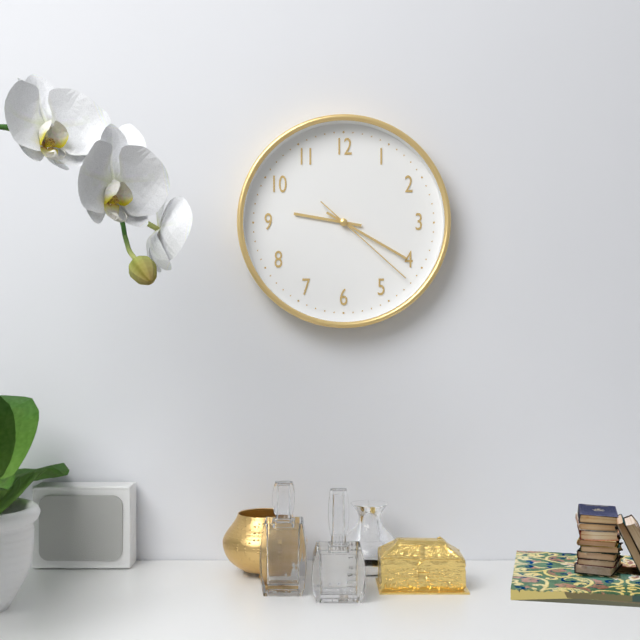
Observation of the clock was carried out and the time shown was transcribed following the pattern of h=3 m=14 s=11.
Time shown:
h=9 m=20 s=22
